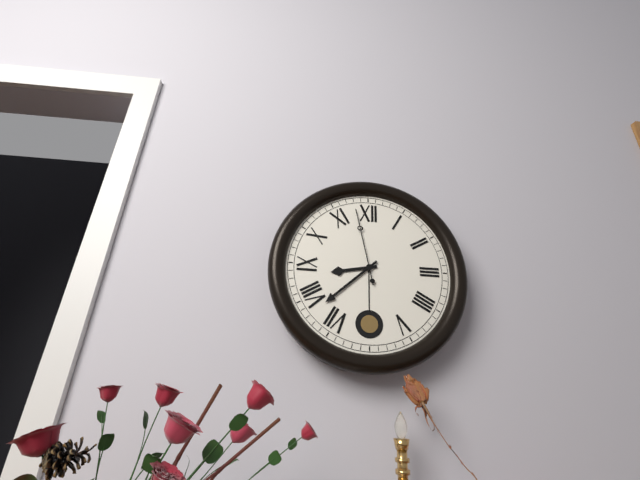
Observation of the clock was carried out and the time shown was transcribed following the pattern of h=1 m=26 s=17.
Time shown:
h=8 m=38 s=58
